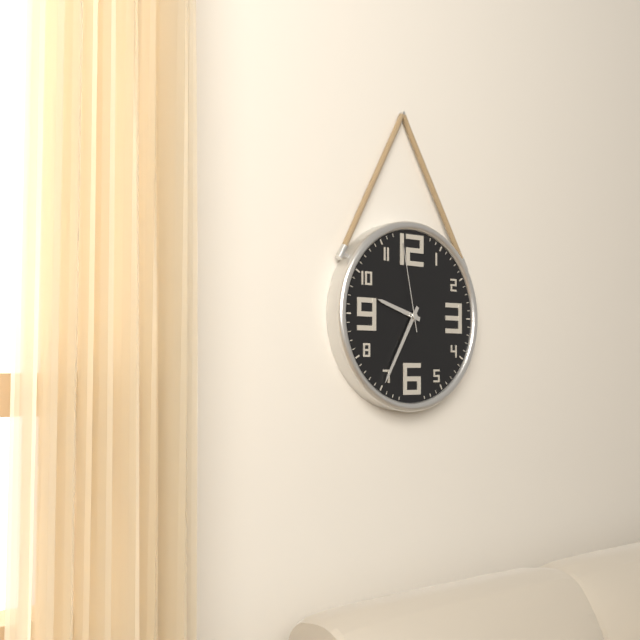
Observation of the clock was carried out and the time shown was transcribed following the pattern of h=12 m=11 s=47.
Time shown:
h=9 m=35 s=58
